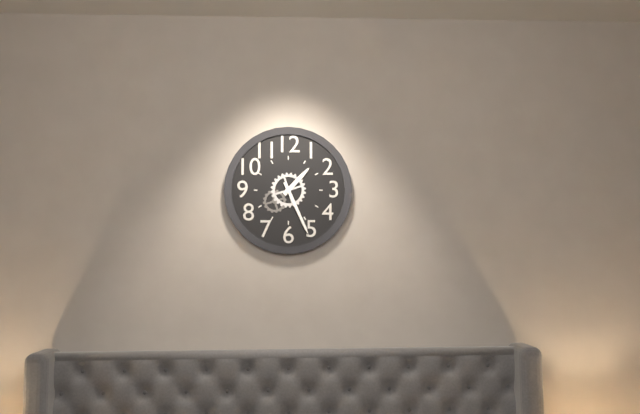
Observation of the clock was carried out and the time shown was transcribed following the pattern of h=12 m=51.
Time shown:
h=1 m=26
